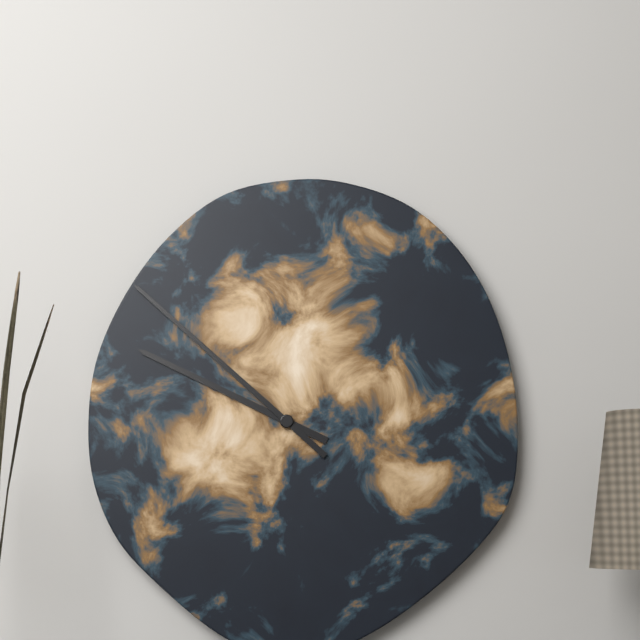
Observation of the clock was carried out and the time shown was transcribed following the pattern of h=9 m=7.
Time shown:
h=9 m=52
